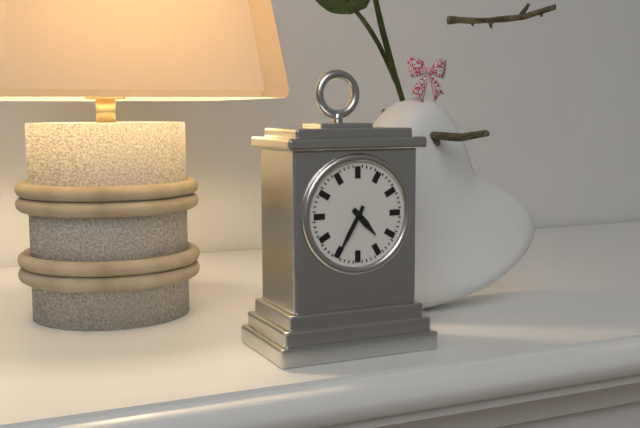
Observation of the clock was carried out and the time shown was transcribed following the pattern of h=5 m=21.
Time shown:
h=4 m=35
